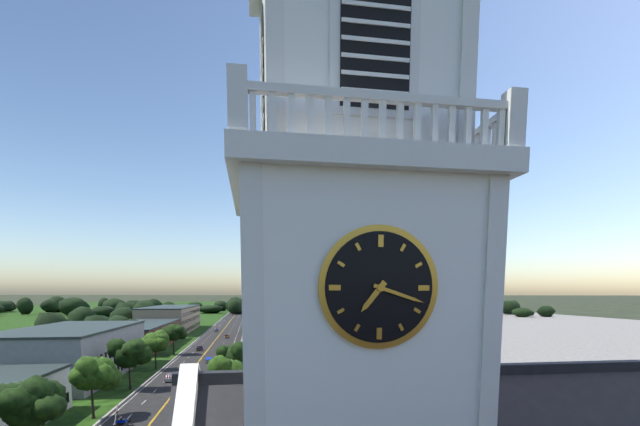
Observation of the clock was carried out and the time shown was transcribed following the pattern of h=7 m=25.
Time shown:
h=7 m=18
